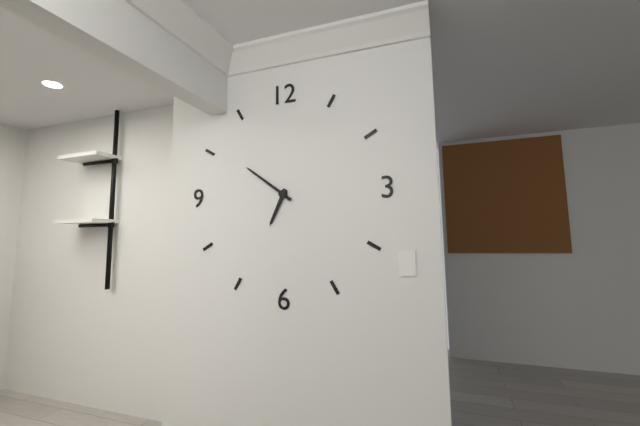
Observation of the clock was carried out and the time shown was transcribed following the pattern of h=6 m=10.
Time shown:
h=6 m=51
